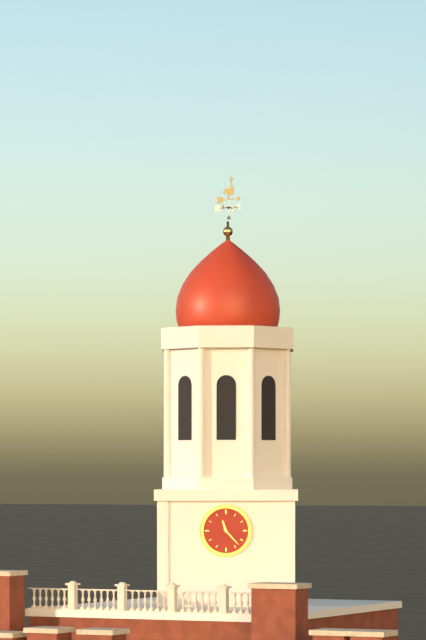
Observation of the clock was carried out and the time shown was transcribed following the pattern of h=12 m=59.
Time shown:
h=11 m=23
